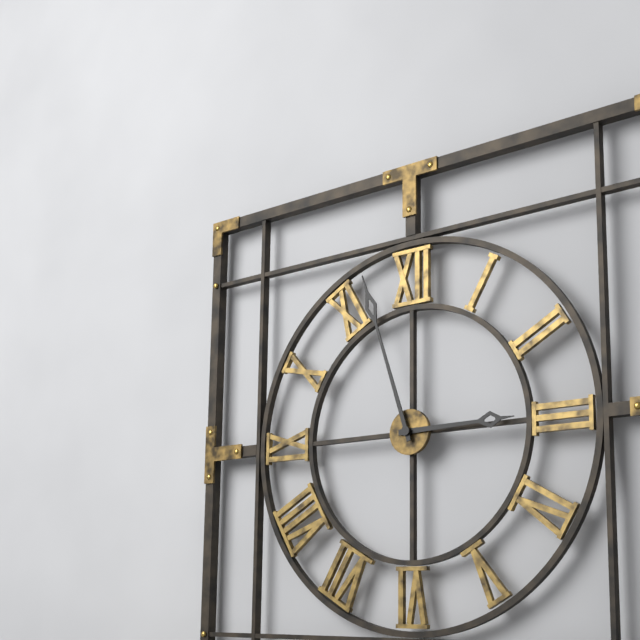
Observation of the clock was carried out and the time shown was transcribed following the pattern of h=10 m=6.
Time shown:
h=2 m=57
